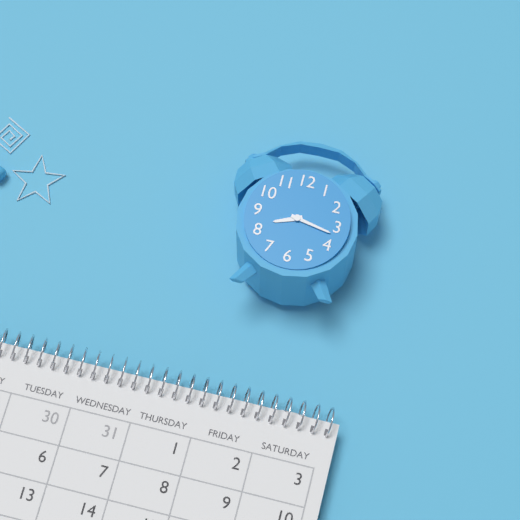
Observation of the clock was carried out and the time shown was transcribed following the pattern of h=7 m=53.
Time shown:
h=8 m=17
